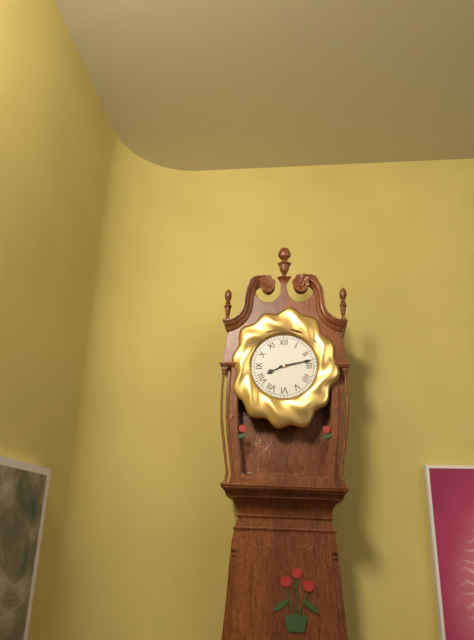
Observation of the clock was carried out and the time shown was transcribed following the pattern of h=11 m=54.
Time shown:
h=8 m=13
